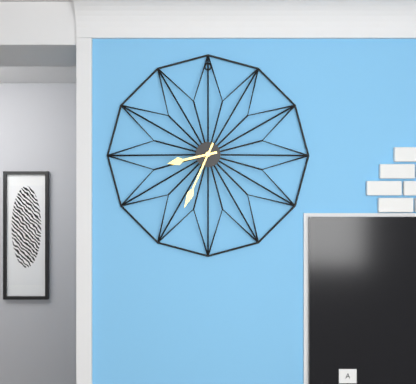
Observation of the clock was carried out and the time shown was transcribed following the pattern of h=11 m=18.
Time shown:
h=8 m=34
